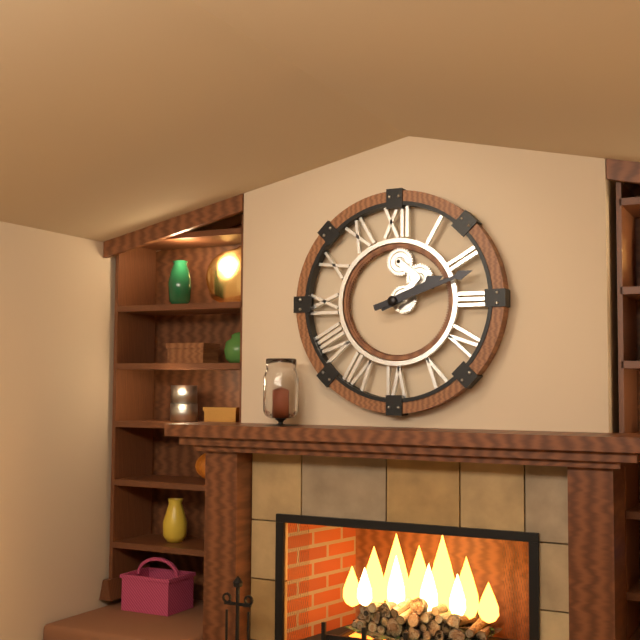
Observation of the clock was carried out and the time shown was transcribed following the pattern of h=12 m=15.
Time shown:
h=2 m=12
